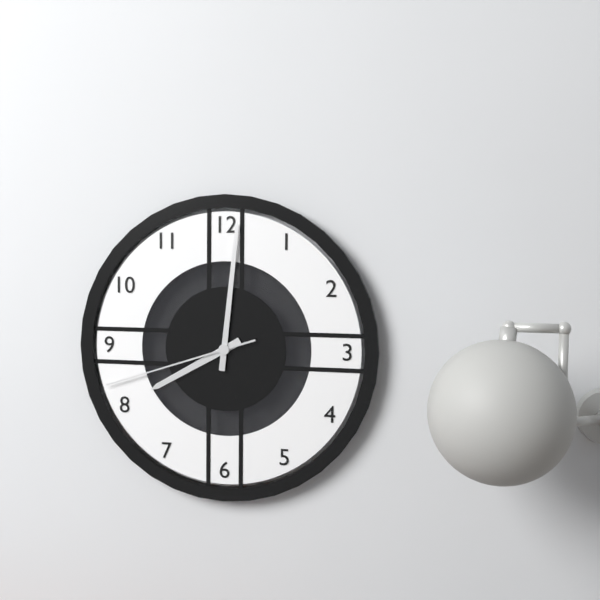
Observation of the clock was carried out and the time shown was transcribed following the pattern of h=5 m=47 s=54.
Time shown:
h=8 m=1 s=42
